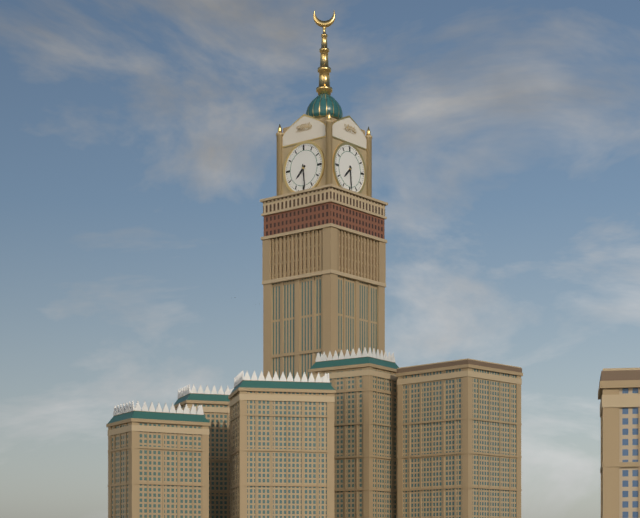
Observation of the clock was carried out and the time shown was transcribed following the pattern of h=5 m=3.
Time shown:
h=7 m=29
